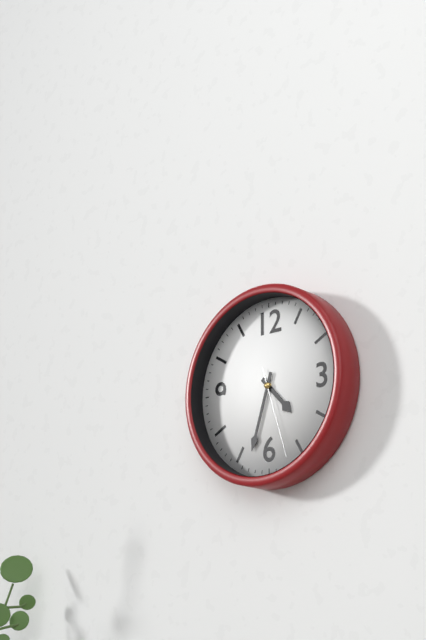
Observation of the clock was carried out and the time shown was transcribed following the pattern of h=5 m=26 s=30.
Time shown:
h=4 m=33 s=27
